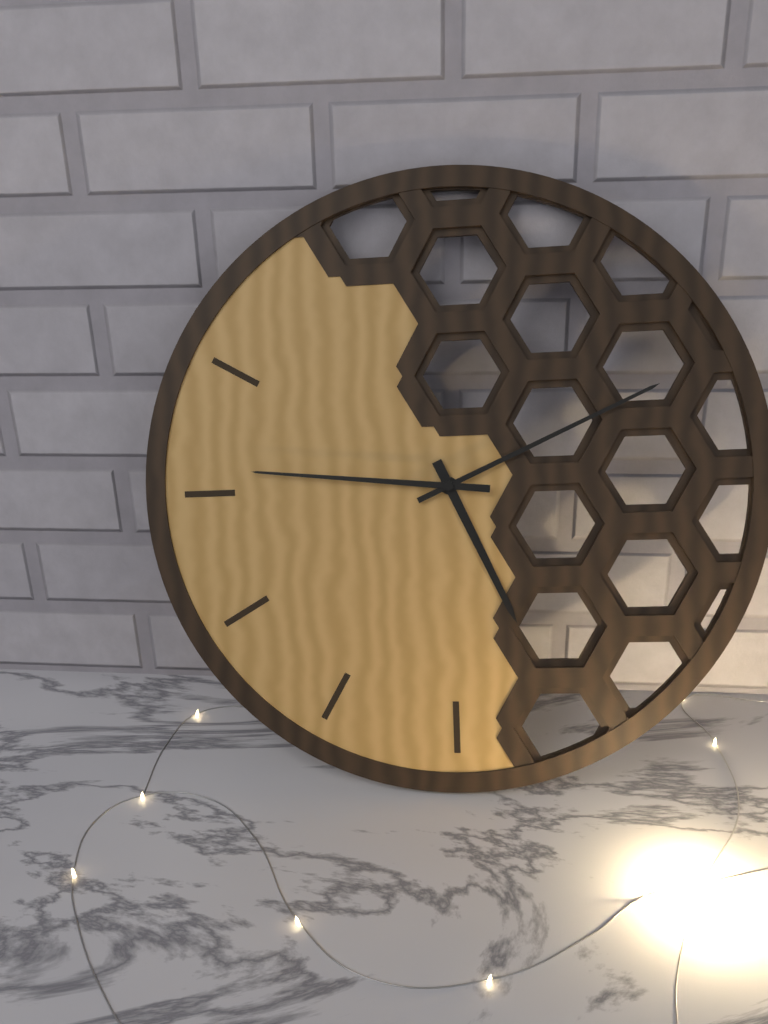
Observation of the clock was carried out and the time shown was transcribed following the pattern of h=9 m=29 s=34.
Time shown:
h=5 m=11 s=46
